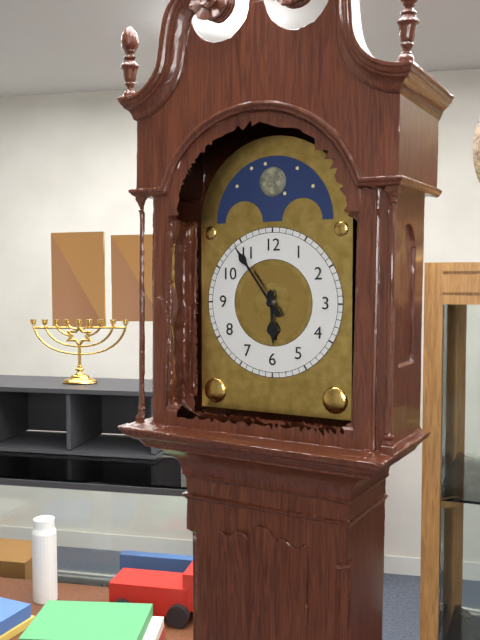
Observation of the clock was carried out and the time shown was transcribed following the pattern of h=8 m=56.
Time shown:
h=5 m=54
